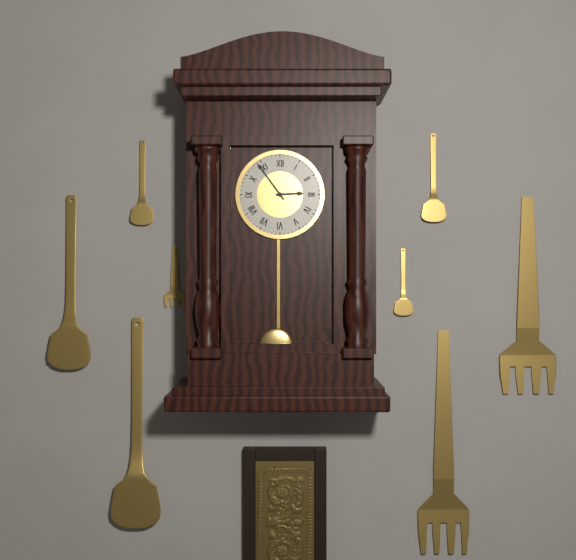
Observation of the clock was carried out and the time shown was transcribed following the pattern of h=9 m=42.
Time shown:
h=2 m=54
